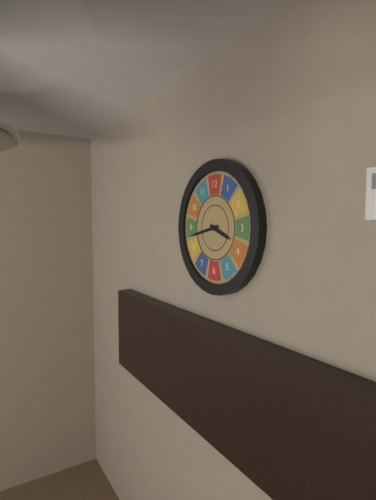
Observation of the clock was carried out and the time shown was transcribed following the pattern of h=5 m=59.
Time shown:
h=3 m=43
